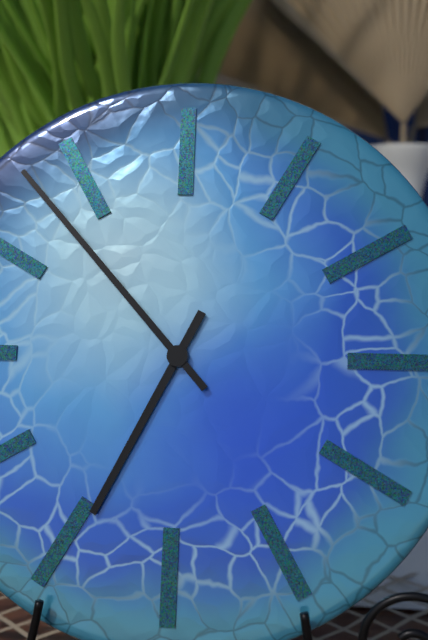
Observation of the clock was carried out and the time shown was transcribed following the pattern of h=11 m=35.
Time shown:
h=6 m=53
